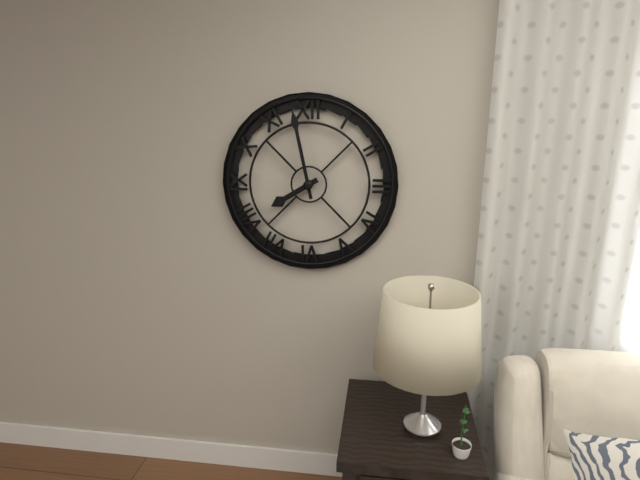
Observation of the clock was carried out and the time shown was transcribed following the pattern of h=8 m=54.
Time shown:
h=7 m=58
